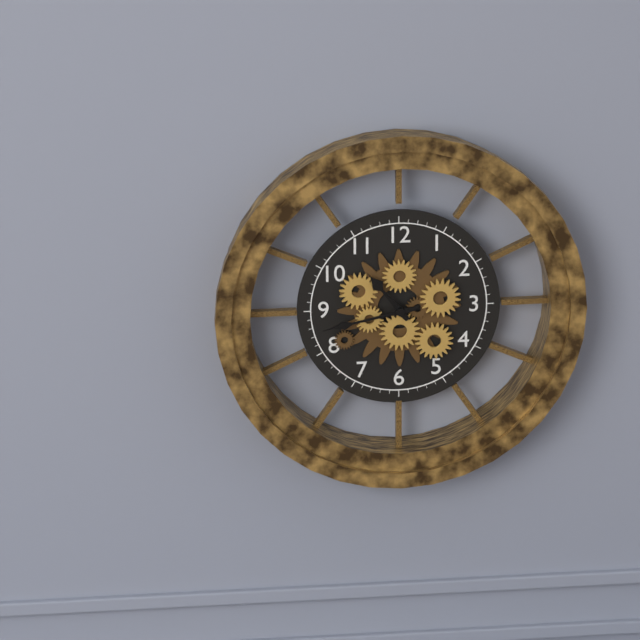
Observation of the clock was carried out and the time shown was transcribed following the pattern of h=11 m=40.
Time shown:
h=10 m=43
